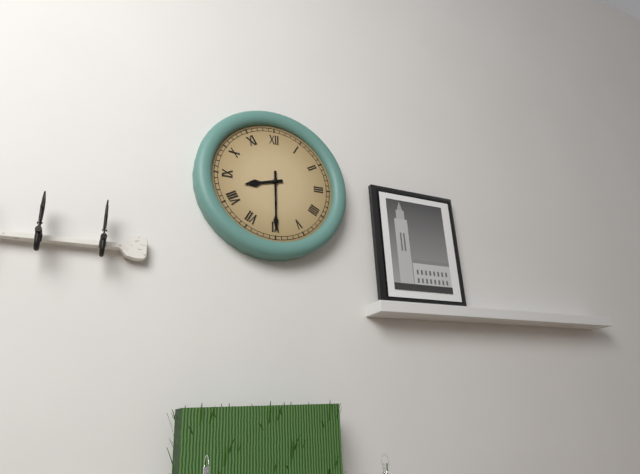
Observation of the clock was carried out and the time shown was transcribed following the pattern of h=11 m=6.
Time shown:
h=8 m=30
